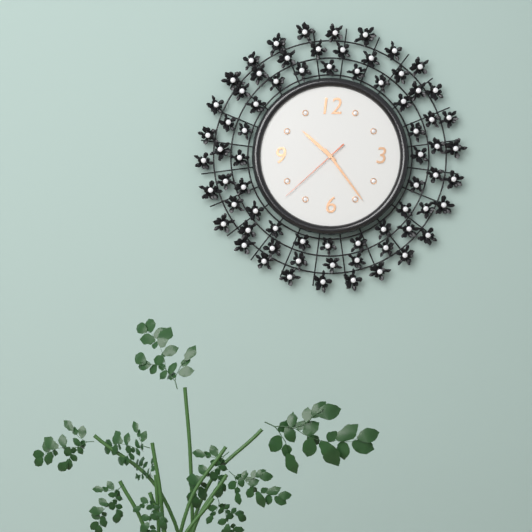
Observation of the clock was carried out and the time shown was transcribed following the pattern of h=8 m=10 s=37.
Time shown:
h=10 m=24 s=38
